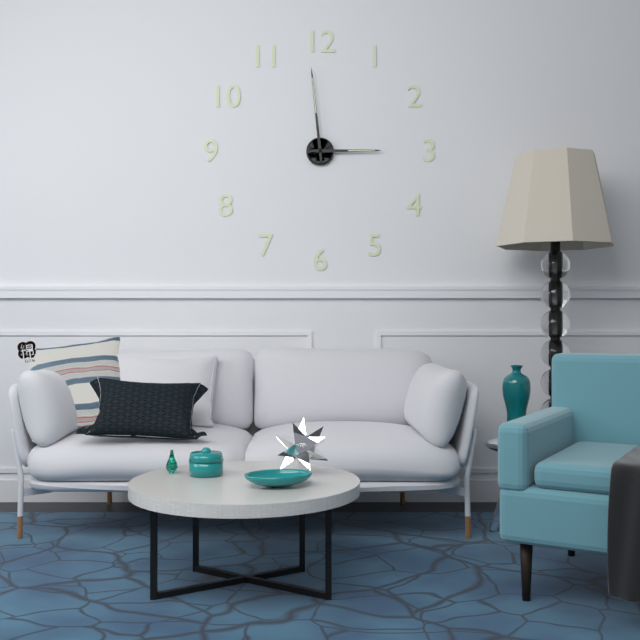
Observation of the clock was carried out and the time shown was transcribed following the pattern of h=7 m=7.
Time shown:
h=2 m=59
